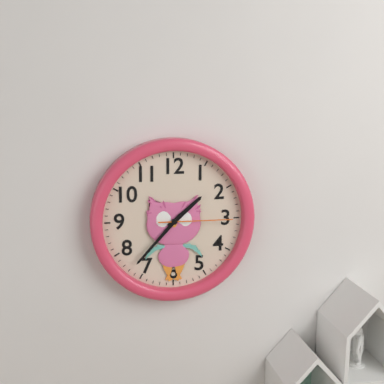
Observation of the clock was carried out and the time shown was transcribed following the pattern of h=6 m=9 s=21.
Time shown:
h=1 m=37 s=15
